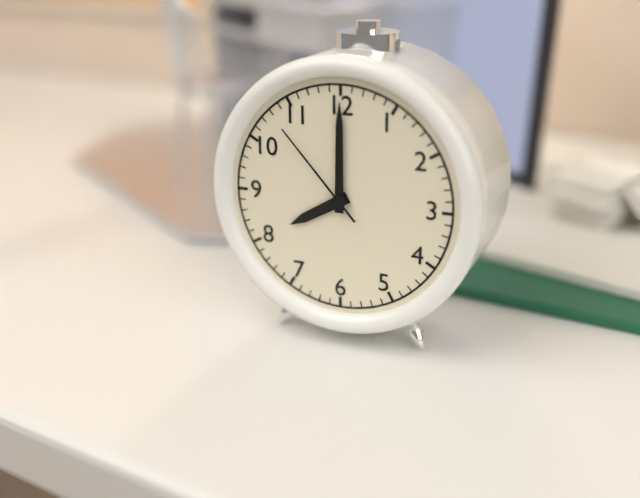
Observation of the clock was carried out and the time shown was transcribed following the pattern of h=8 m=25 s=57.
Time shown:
h=8 m=0 s=53
